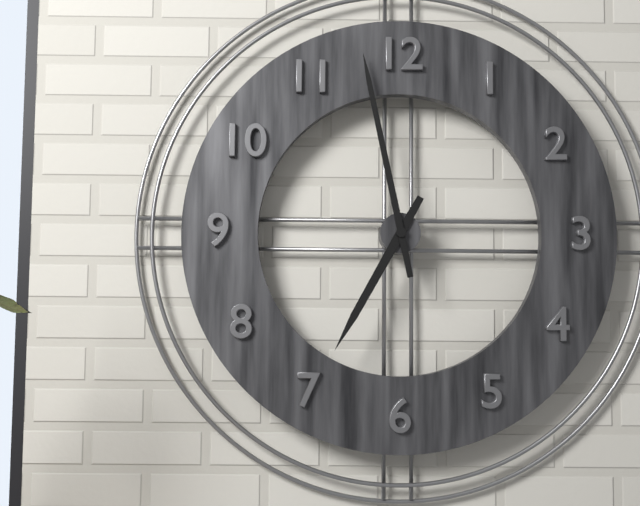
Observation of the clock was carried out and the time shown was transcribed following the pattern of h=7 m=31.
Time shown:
h=6 m=58
